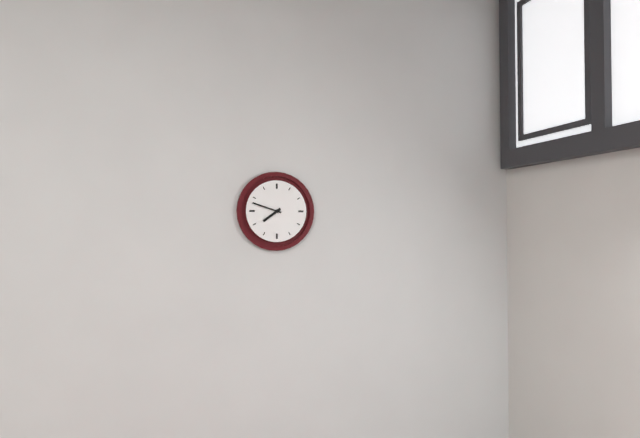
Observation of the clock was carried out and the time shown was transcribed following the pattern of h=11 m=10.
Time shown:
h=7 m=48
